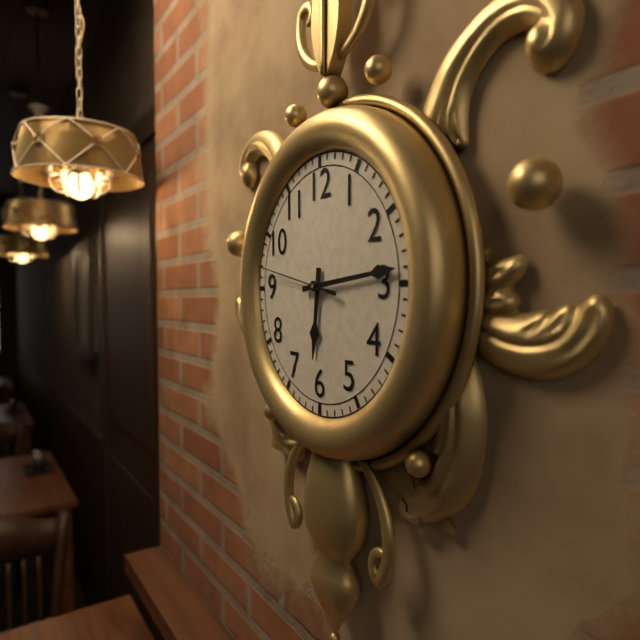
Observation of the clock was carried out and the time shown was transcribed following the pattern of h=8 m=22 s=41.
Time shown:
h=6 m=14 s=47
